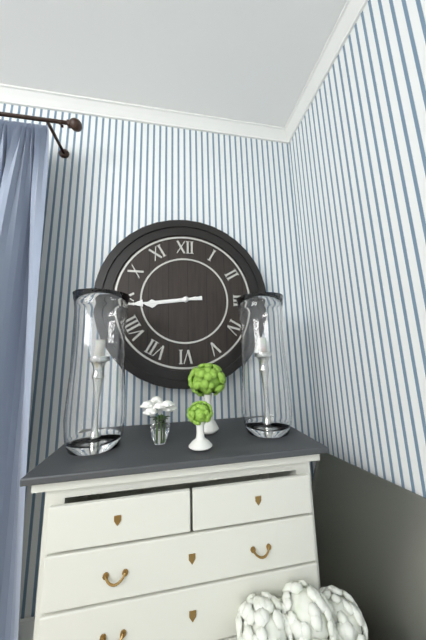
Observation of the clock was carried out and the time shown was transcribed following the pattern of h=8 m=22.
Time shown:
h=8 m=44
